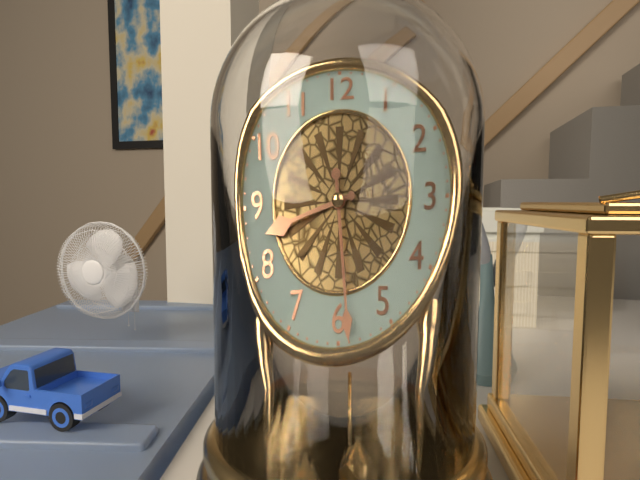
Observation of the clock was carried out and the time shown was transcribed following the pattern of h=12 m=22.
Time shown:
h=8 m=29
